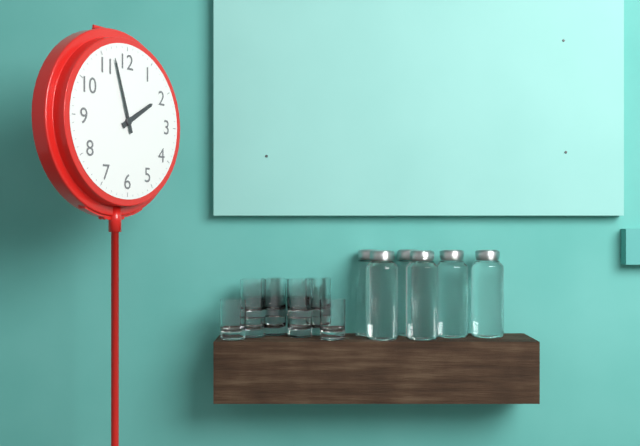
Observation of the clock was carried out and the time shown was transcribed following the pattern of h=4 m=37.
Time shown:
h=1 m=57
